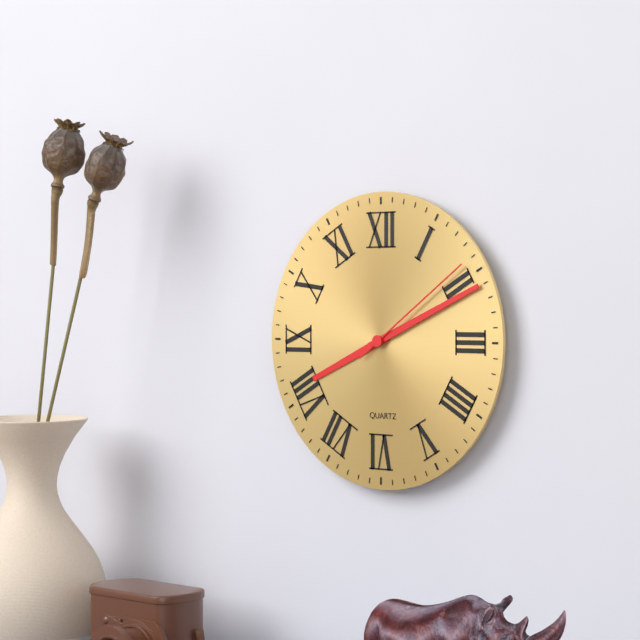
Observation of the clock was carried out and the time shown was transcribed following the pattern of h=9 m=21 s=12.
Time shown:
h=8 m=11 s=9
